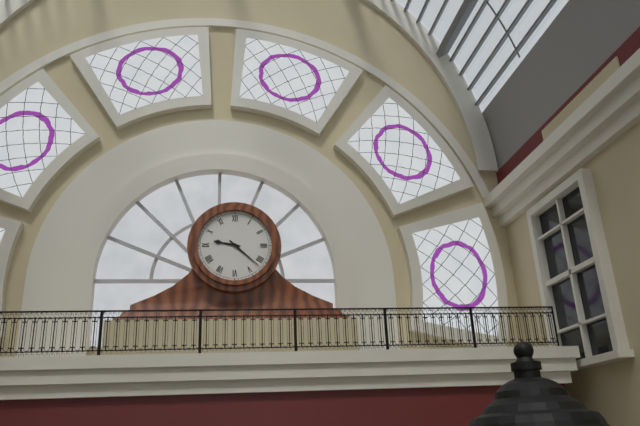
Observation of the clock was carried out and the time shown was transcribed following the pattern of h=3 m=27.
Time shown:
h=9 m=22
